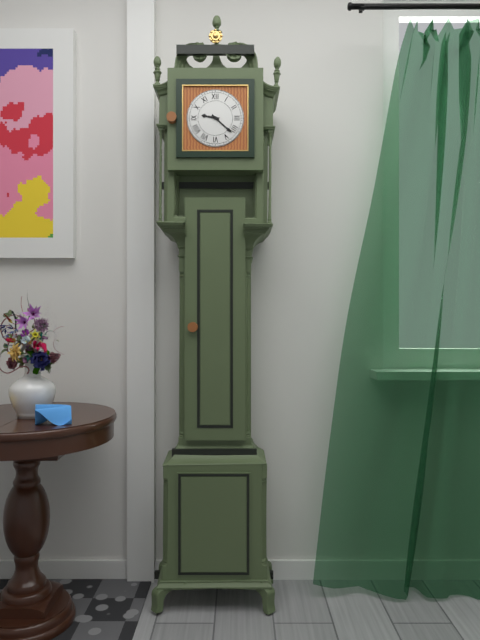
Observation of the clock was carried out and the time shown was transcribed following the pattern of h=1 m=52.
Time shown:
h=9 m=22
